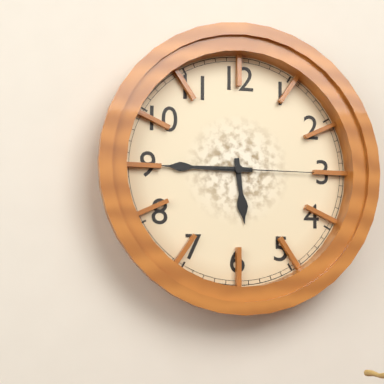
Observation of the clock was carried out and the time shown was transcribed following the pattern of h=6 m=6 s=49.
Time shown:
h=5 m=45 s=15
